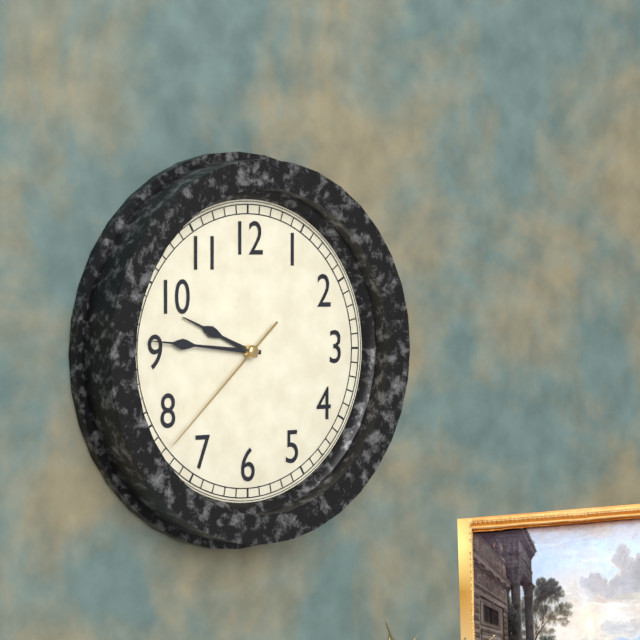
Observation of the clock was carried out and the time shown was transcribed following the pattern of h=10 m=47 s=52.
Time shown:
h=9 m=46 s=38
